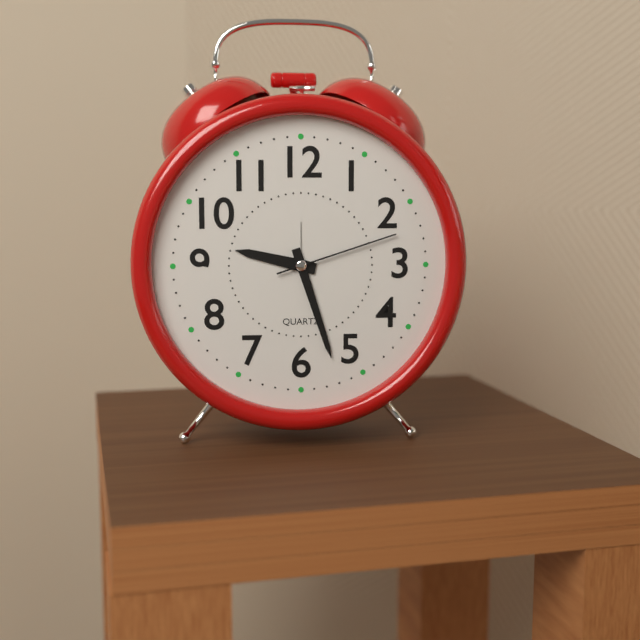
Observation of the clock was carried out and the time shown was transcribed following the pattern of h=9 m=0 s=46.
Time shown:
h=9 m=27 s=12
